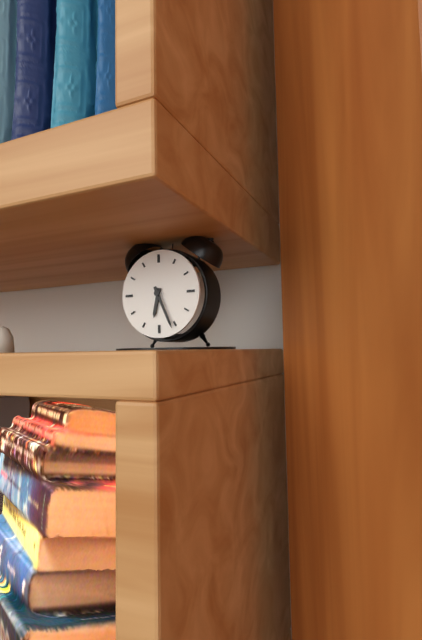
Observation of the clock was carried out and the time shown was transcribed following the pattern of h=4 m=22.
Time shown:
h=6 m=26
